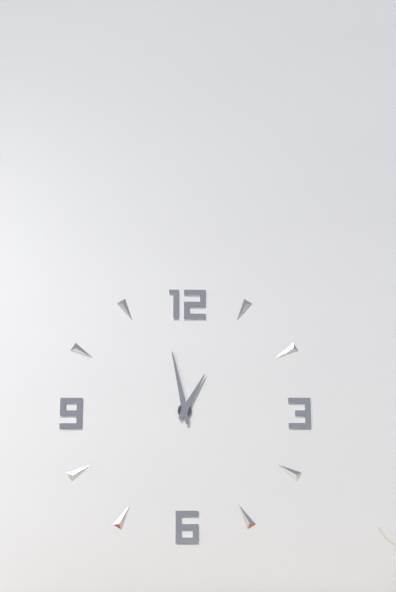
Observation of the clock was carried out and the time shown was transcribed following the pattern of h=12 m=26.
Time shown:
h=12 m=58
